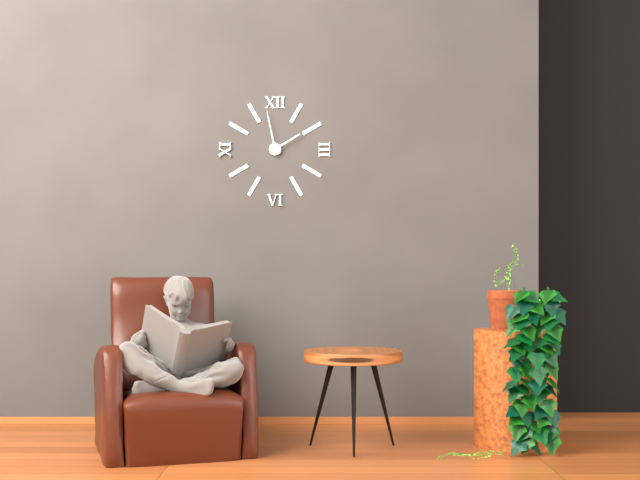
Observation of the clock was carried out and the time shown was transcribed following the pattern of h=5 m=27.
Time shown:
h=1 m=58
